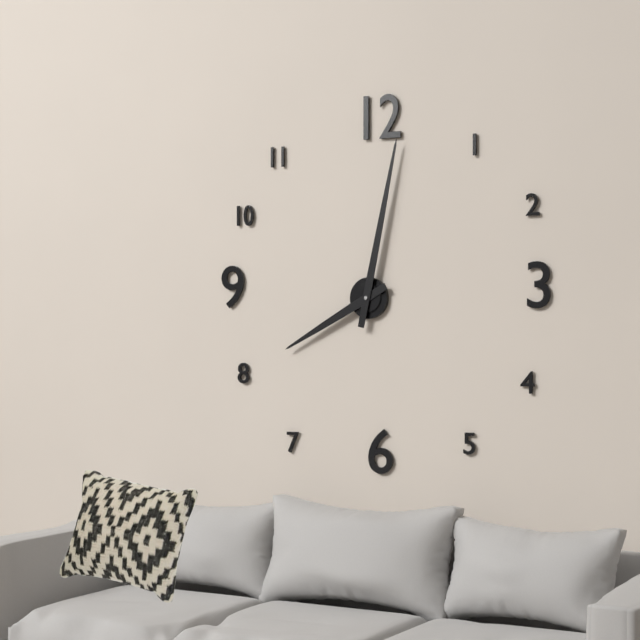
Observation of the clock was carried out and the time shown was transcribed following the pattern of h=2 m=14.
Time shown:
h=8 m=2
